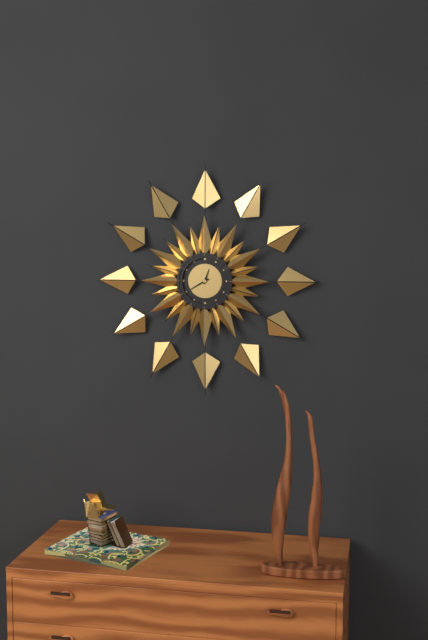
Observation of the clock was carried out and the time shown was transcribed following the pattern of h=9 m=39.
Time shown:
h=12 m=40
